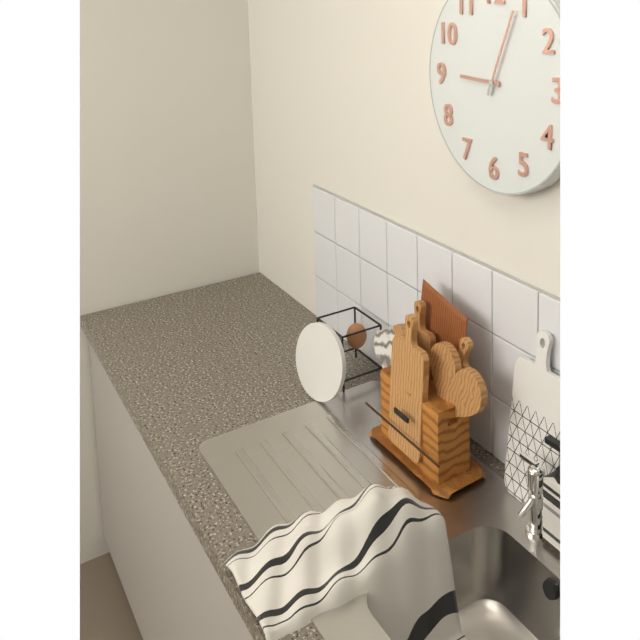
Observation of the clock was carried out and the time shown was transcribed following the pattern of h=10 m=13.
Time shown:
h=9 m=4
